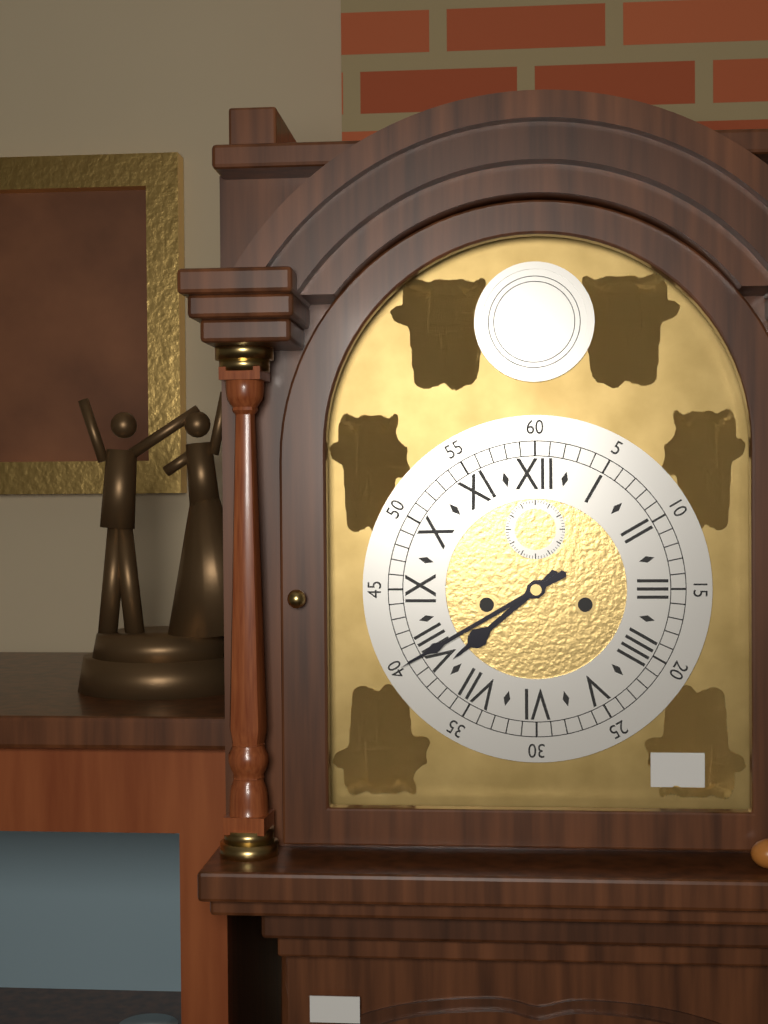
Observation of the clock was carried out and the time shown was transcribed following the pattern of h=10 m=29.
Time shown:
h=7 m=40
